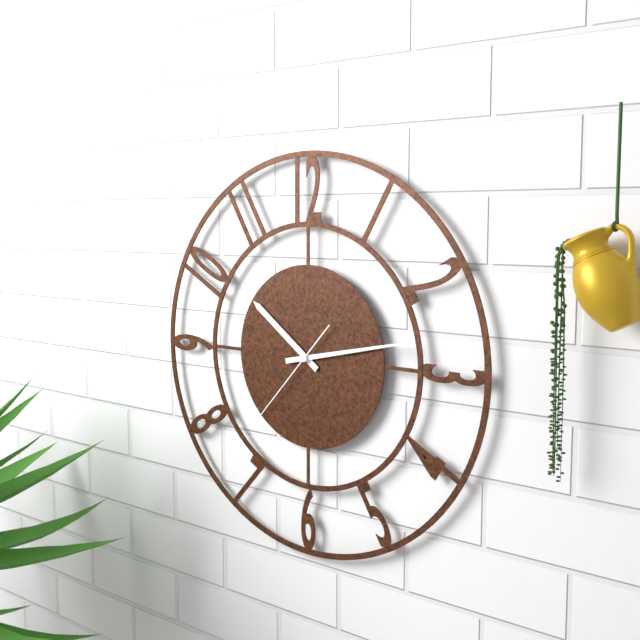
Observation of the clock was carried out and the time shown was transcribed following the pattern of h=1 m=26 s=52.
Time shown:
h=10 m=13 s=37
